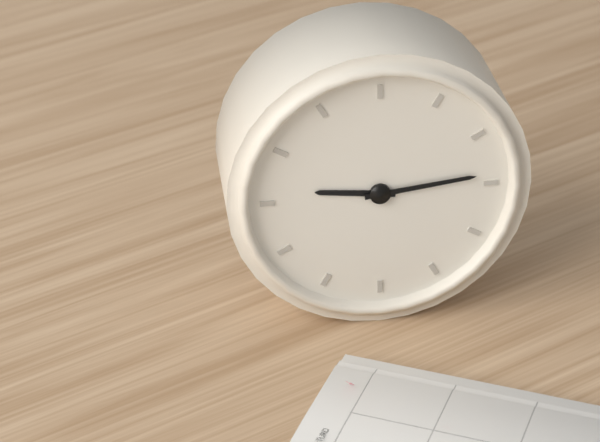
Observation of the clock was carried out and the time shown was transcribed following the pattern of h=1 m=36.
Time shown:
h=9 m=14
